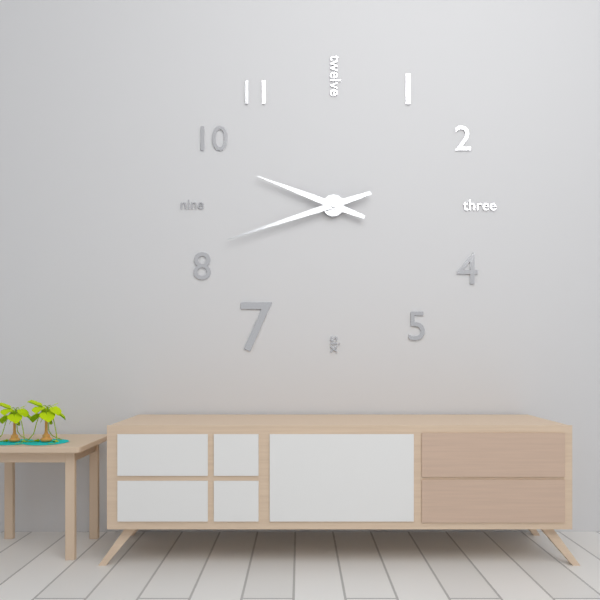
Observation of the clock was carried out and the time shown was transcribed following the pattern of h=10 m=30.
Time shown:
h=9 m=42
